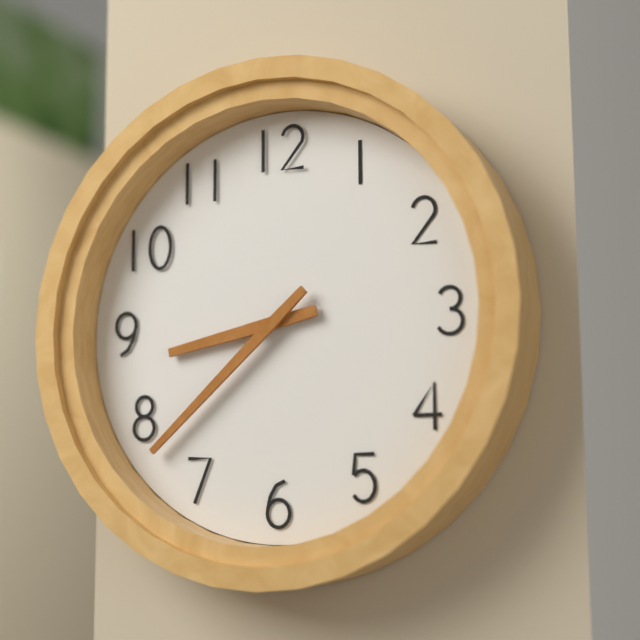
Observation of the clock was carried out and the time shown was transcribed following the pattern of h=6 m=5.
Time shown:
h=8 m=38
